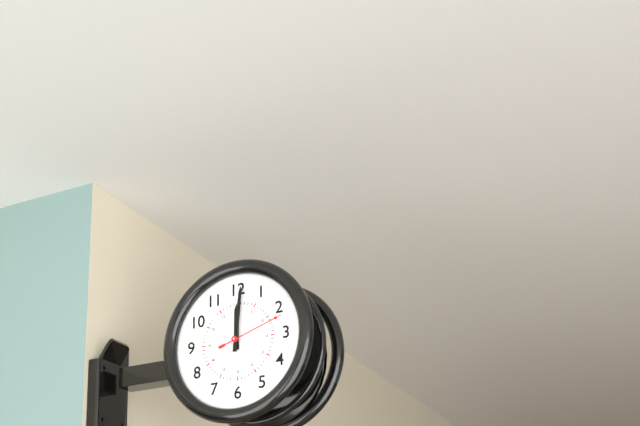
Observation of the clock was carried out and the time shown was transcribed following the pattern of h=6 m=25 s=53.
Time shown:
h=12 m=1 s=12
